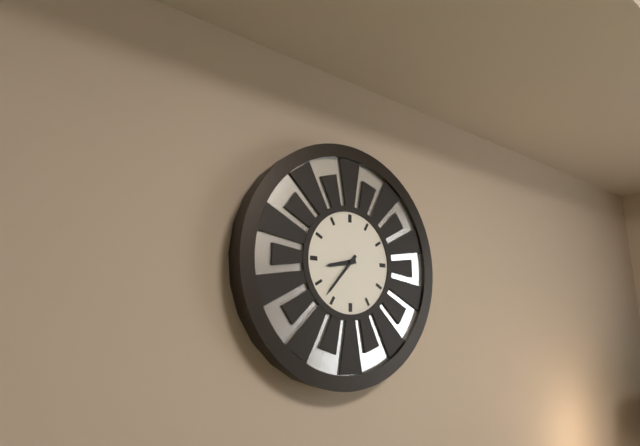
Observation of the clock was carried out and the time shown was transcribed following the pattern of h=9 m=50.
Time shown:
h=8 m=37
